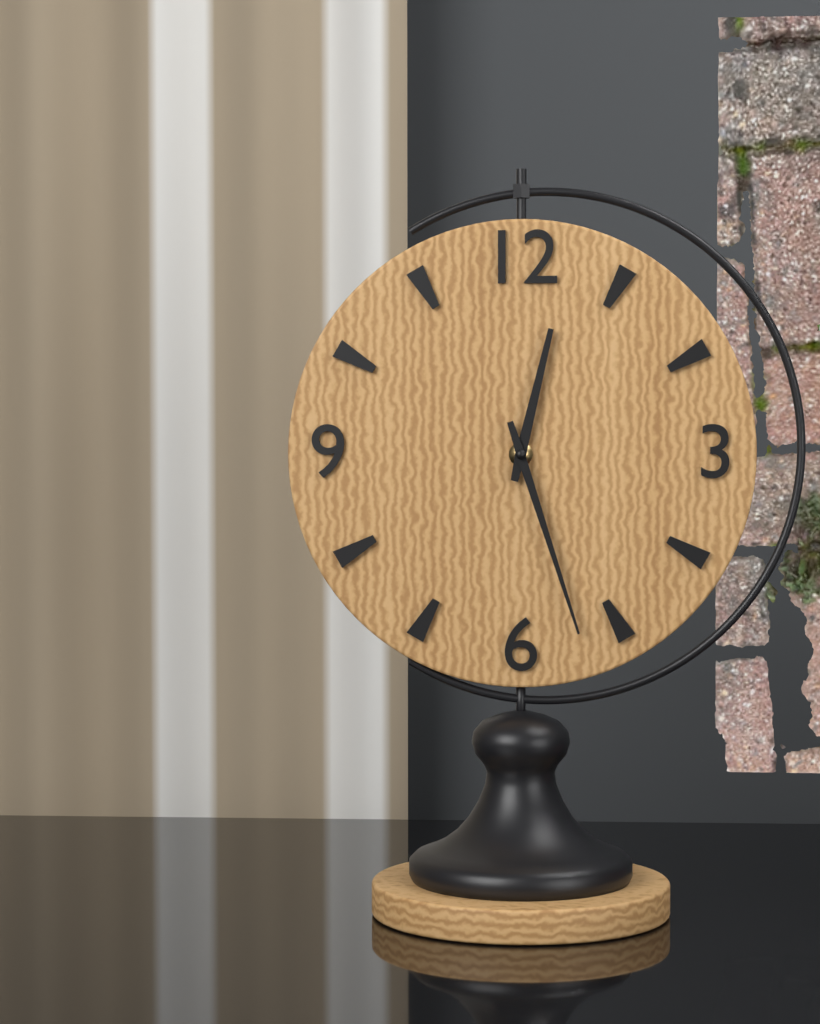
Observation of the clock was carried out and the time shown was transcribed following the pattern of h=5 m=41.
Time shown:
h=12 m=27
